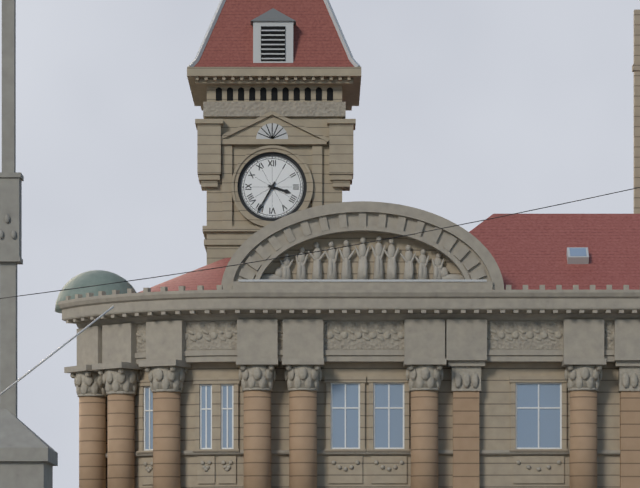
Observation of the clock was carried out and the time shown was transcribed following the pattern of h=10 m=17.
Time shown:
h=3 m=35
